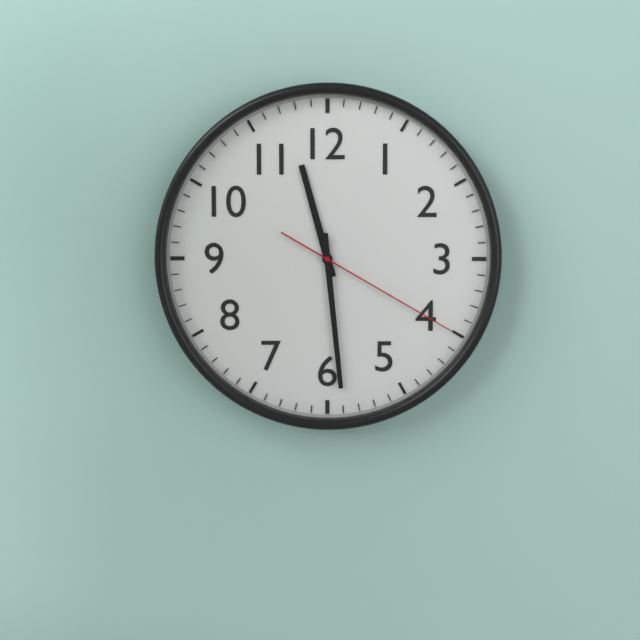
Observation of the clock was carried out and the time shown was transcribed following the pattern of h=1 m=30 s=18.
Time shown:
h=11 m=29 s=20
